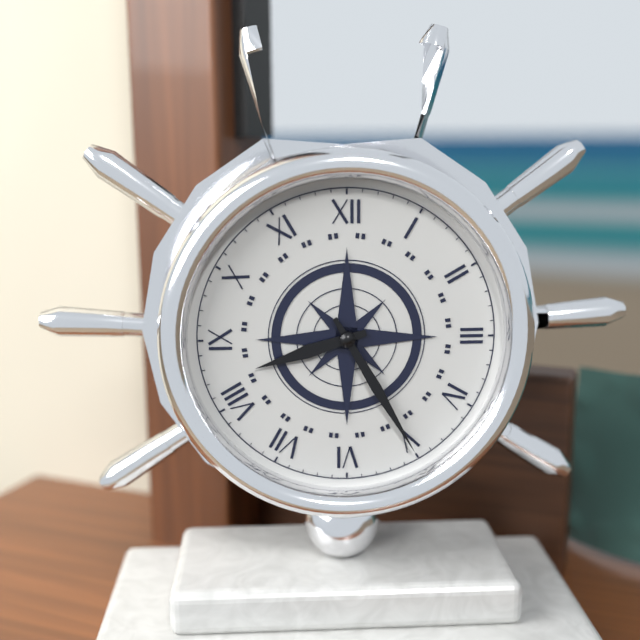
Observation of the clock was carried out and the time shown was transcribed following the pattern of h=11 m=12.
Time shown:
h=8 m=25
